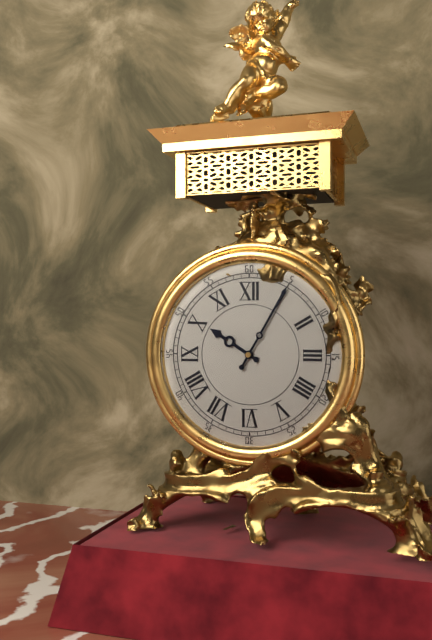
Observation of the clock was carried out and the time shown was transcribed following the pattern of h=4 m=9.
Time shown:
h=10 m=5
